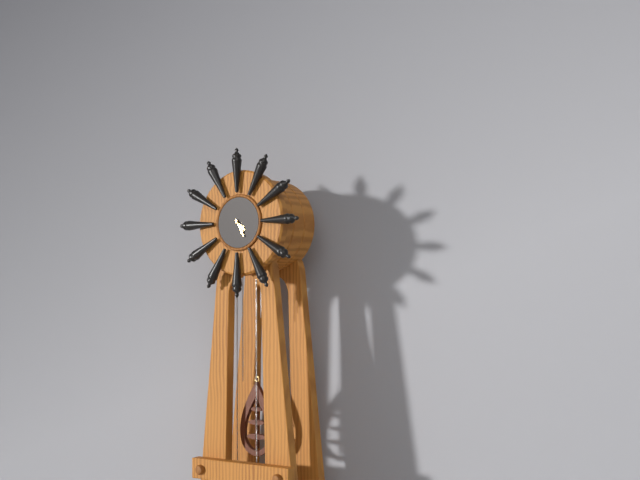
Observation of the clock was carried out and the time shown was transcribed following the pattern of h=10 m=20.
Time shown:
h=4 m=25
